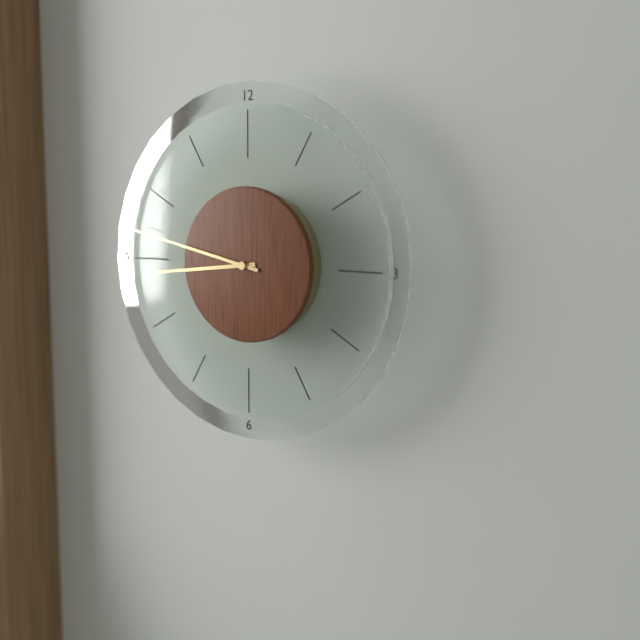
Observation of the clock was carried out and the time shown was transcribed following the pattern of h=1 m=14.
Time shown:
h=8 m=47
